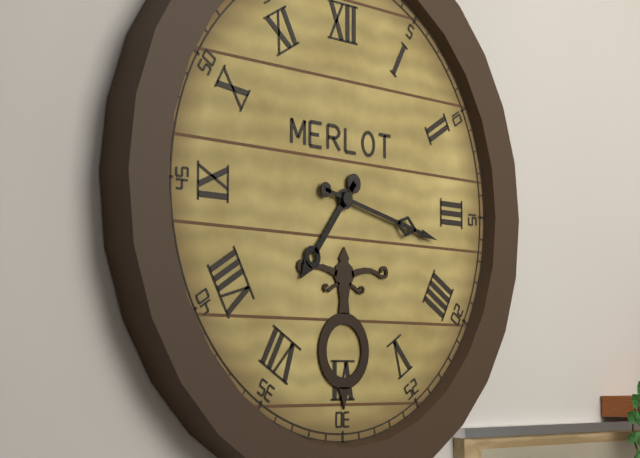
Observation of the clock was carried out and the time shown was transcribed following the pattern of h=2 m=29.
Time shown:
h=7 m=17
